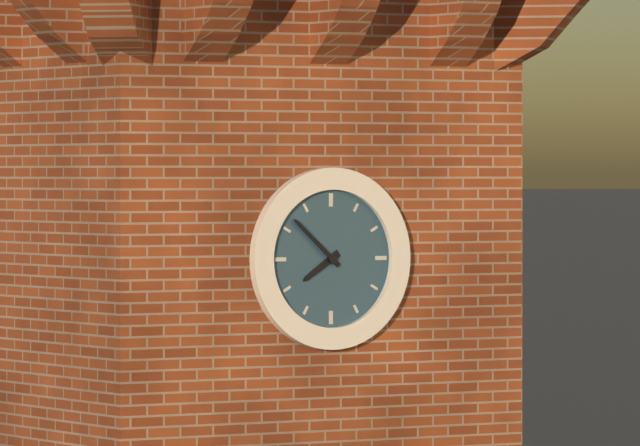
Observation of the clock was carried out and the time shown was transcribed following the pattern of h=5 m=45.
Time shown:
h=7 m=52
